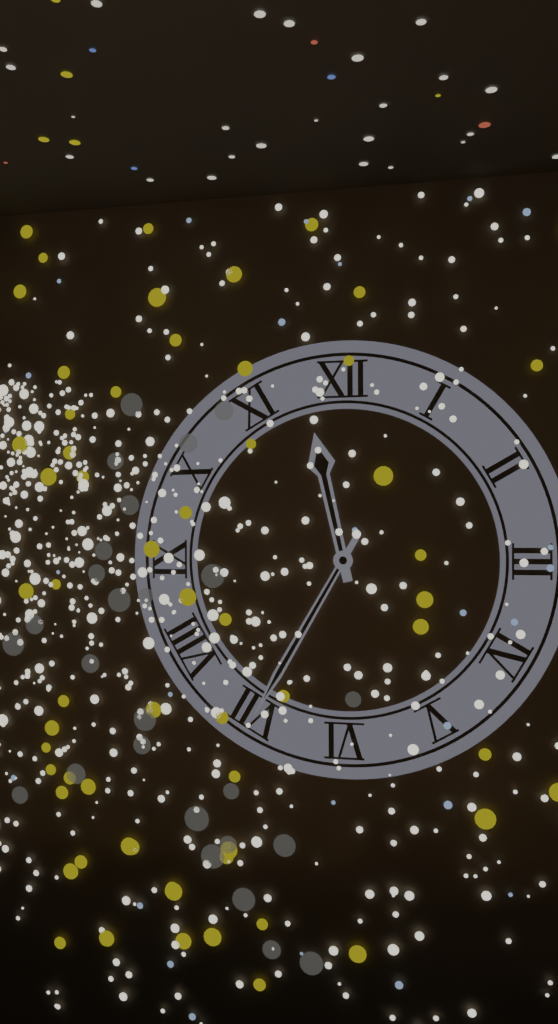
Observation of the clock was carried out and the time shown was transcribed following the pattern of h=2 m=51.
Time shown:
h=11 m=35
